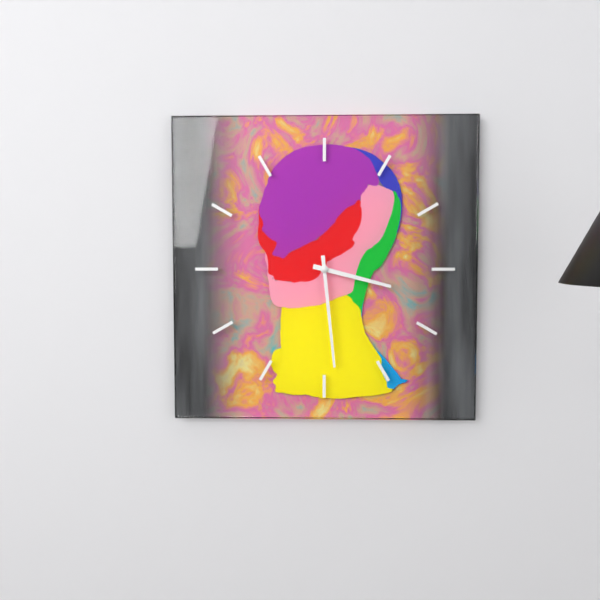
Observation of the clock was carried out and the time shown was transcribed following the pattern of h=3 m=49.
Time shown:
h=3 m=29
